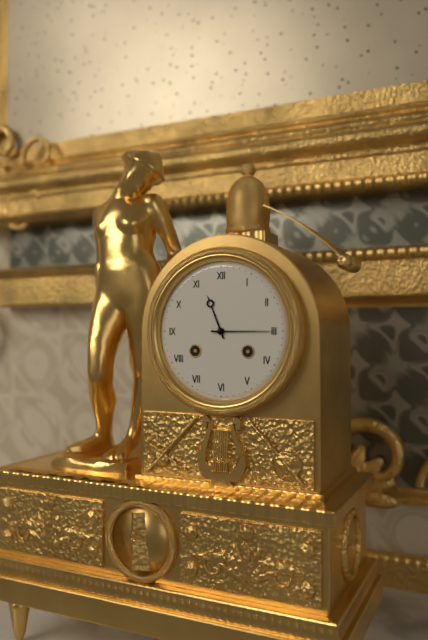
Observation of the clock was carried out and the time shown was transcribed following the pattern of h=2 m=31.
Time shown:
h=11 m=15
